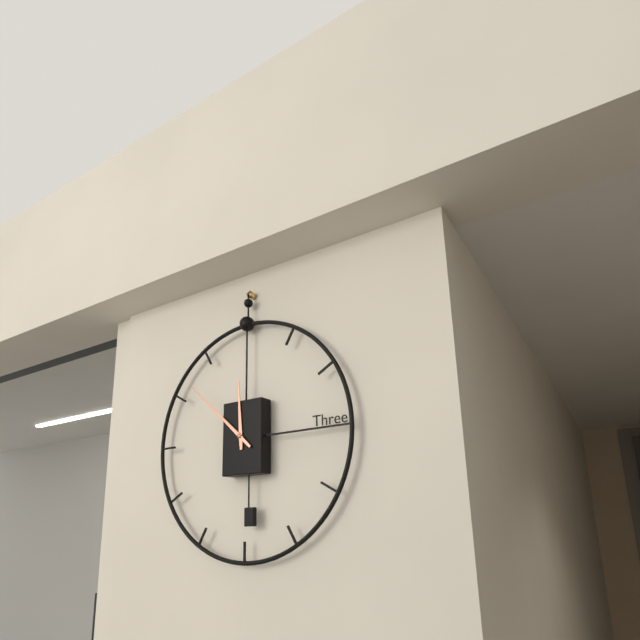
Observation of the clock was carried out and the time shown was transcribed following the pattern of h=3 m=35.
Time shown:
h=11 m=52
